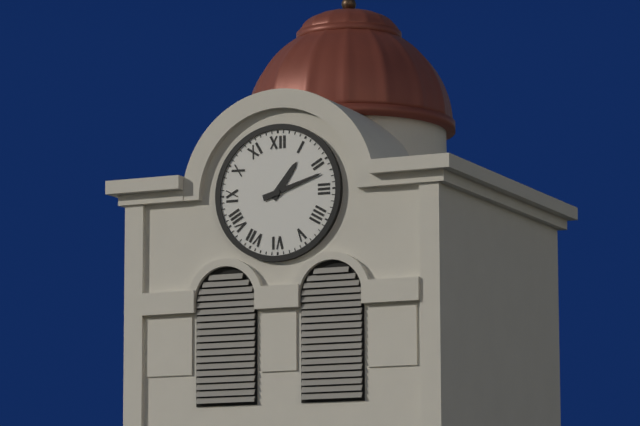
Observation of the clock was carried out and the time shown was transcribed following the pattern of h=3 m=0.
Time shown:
h=1 m=12
